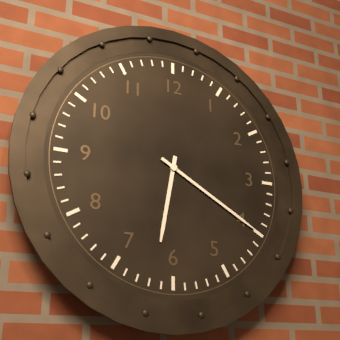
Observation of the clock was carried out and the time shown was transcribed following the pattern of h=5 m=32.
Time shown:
h=6 m=20
